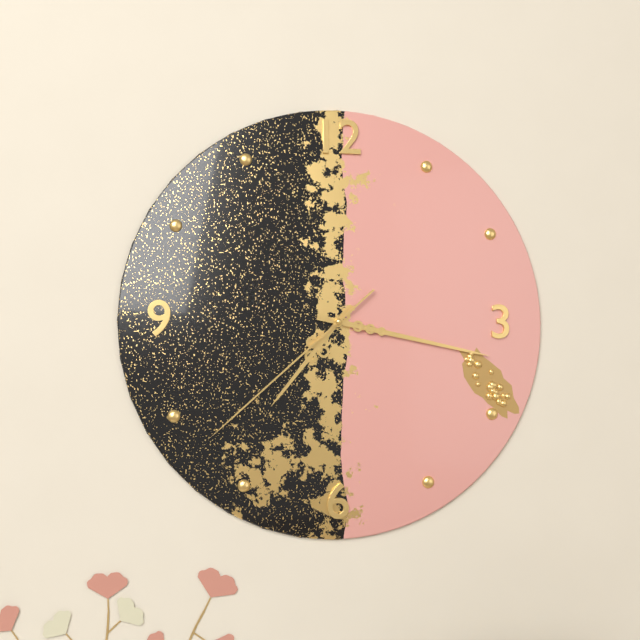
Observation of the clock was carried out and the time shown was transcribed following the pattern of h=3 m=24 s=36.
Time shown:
h=7 m=17 s=38
